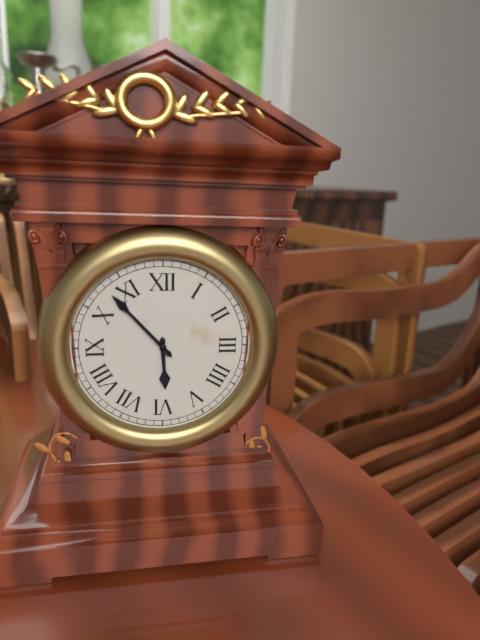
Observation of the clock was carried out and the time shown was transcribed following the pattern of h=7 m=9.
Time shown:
h=5 m=53
